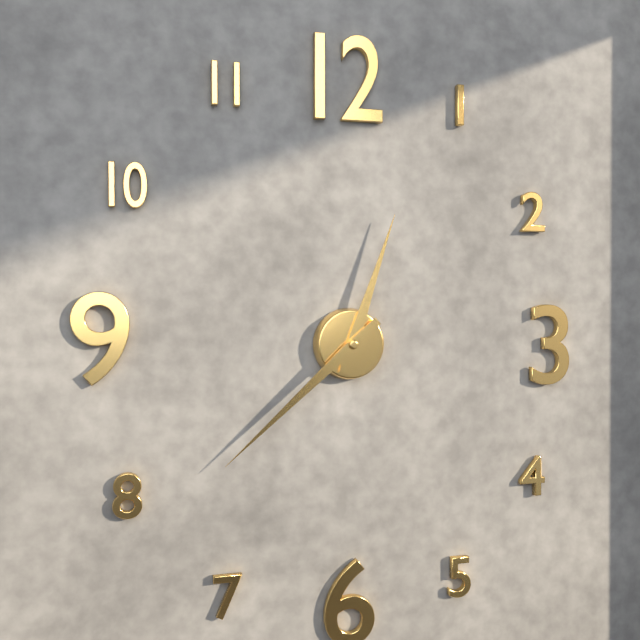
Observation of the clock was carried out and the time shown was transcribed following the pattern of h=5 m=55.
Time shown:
h=12 m=38
